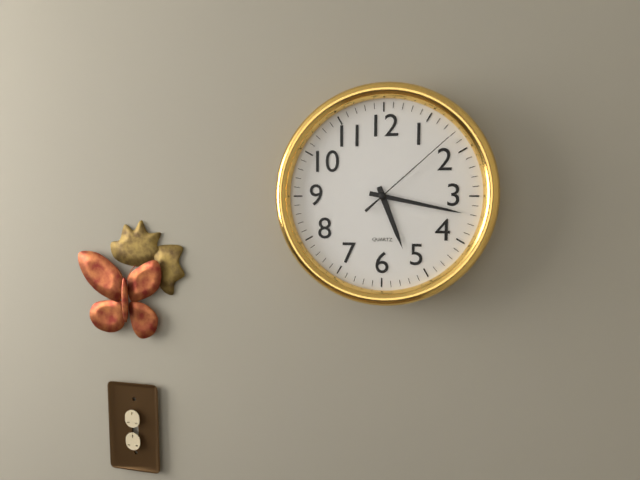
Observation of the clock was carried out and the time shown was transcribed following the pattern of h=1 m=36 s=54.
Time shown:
h=5 m=17 s=8
